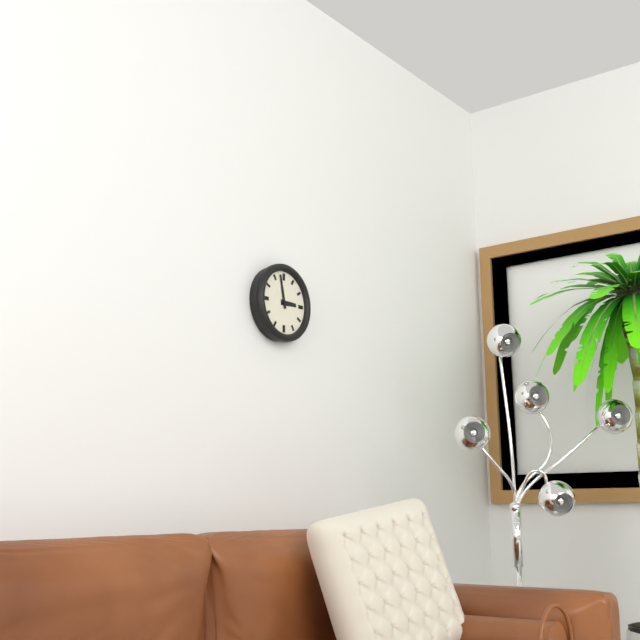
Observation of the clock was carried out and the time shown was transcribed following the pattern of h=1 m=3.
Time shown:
h=2 m=58
